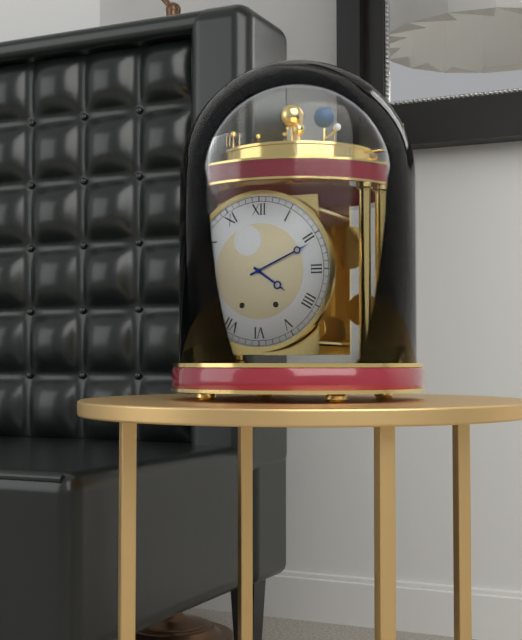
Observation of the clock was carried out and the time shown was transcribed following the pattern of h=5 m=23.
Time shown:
h=4 m=11
